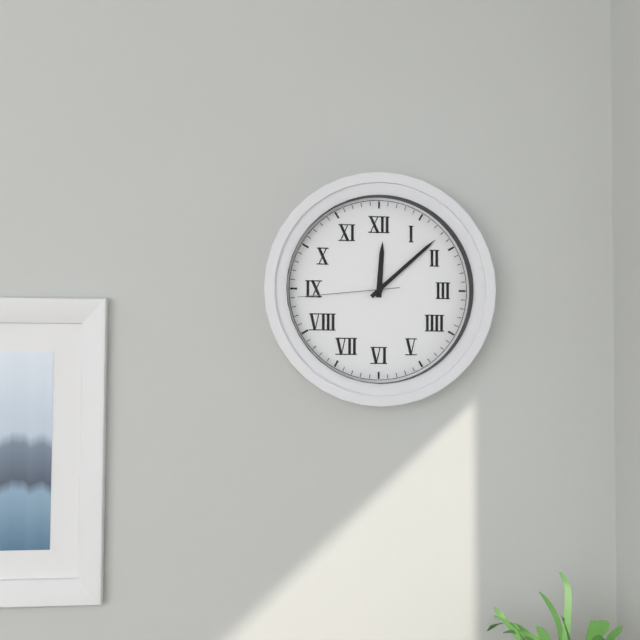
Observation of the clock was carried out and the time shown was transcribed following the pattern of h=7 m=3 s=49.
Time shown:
h=12 m=8 s=44
